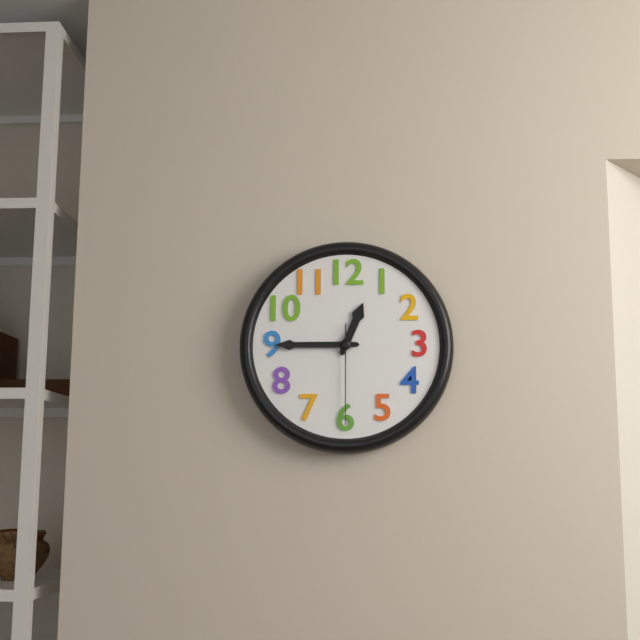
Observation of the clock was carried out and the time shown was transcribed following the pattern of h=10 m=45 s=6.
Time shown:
h=12 m=45 s=30
